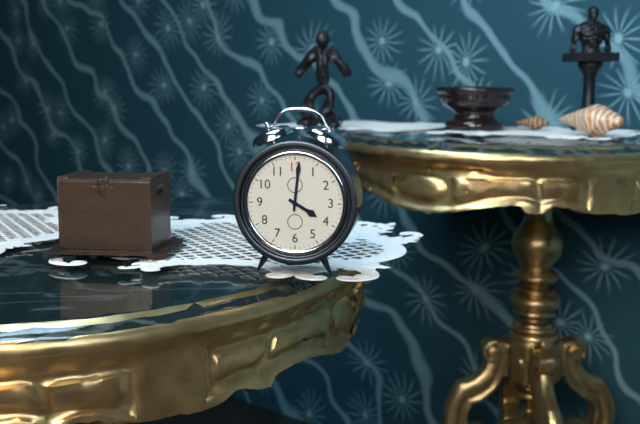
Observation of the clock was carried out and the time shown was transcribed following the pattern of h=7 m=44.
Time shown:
h=4 m=1
